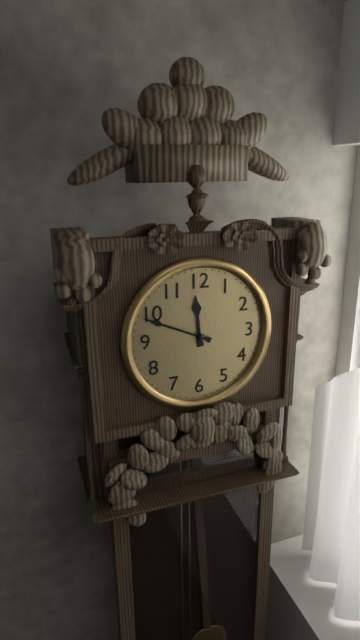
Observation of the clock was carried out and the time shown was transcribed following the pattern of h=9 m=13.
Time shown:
h=11 m=49
